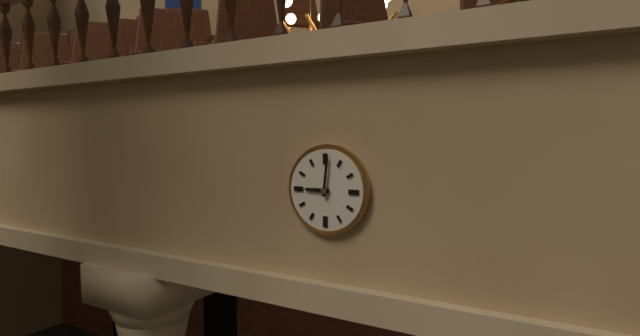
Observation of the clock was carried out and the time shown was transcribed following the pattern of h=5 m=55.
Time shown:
h=9 m=1
